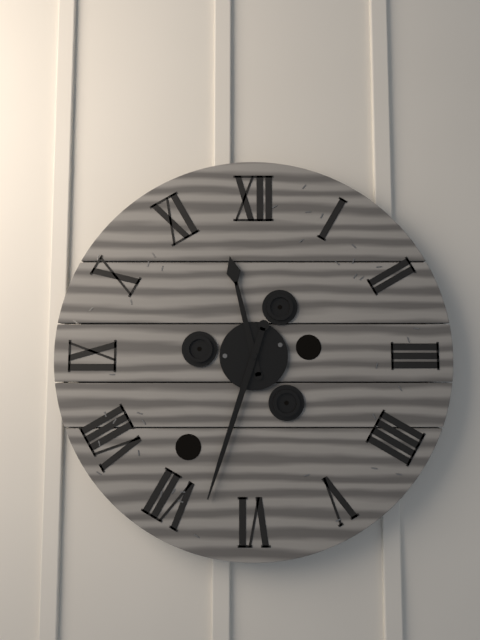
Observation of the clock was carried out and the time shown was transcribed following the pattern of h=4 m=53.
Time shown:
h=11 m=33
